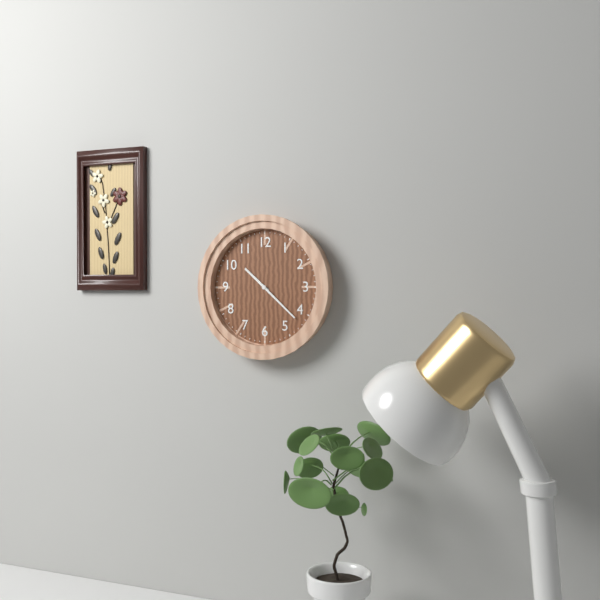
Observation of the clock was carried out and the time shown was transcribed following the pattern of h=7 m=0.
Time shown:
h=10 m=22
